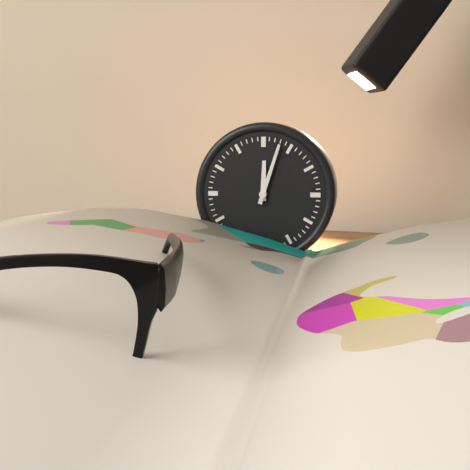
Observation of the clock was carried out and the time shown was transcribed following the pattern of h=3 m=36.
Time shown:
h=12 m=3
